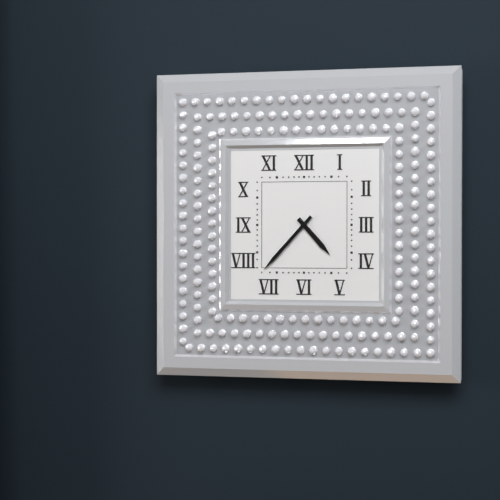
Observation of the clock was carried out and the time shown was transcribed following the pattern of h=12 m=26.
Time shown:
h=4 m=37
